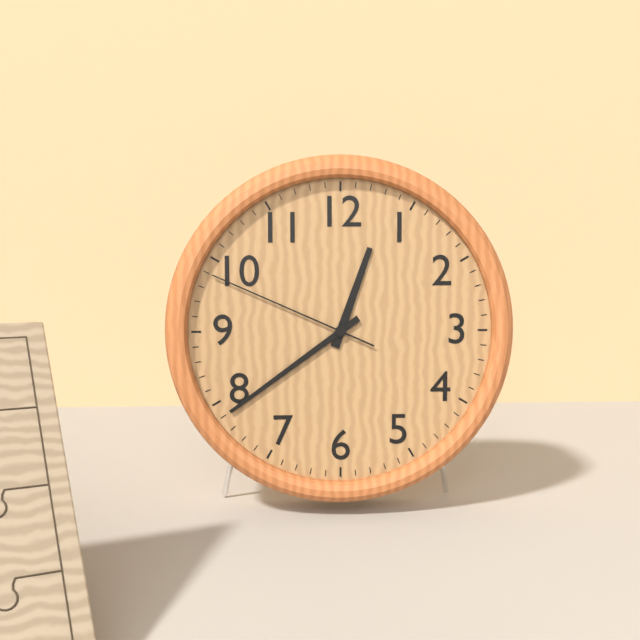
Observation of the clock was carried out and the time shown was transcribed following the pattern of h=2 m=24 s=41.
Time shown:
h=12 m=39 s=49
